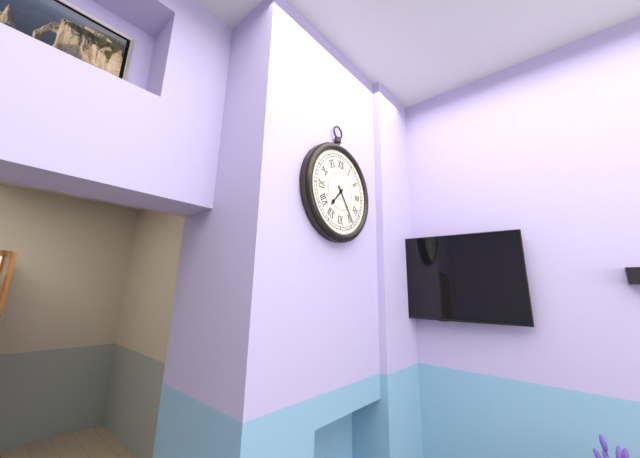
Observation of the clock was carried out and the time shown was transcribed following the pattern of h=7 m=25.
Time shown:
h=7 m=24
